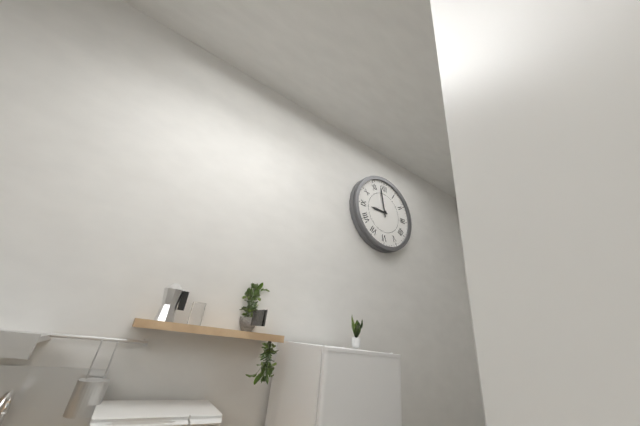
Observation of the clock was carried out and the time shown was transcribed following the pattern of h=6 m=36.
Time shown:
h=8 m=58
